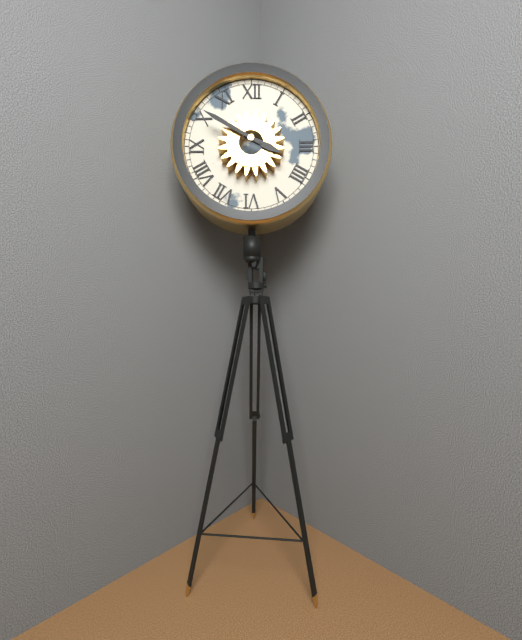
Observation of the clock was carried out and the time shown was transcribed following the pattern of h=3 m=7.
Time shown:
h=3 m=50
